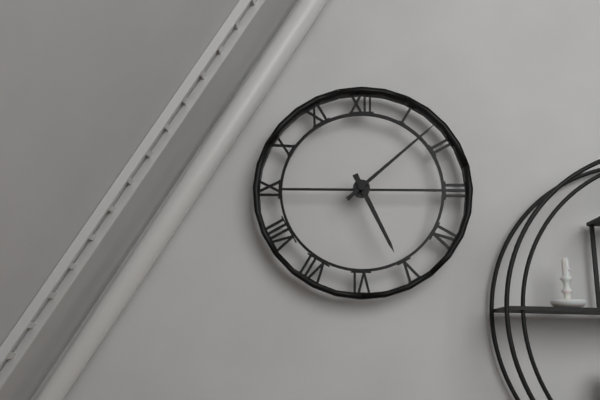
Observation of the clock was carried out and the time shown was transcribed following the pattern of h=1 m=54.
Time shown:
h=5 m=8
